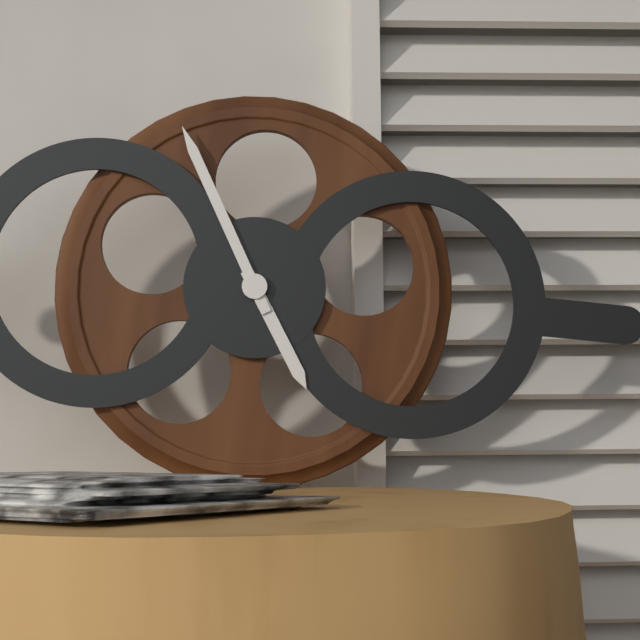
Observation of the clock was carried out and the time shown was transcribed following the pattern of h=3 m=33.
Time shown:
h=4 m=55
